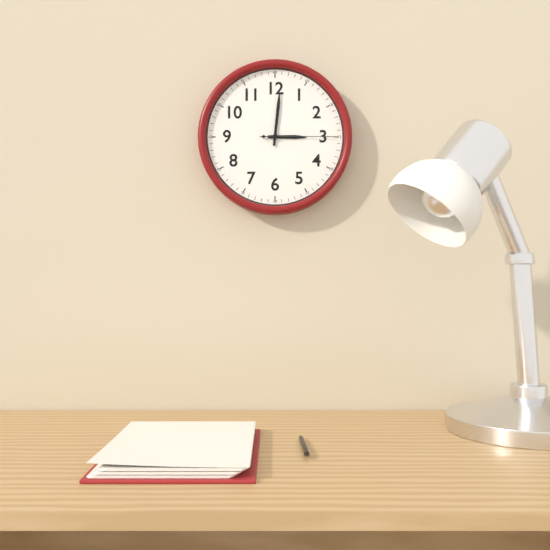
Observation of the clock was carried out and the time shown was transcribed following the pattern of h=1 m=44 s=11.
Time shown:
h=3 m=1 s=15
